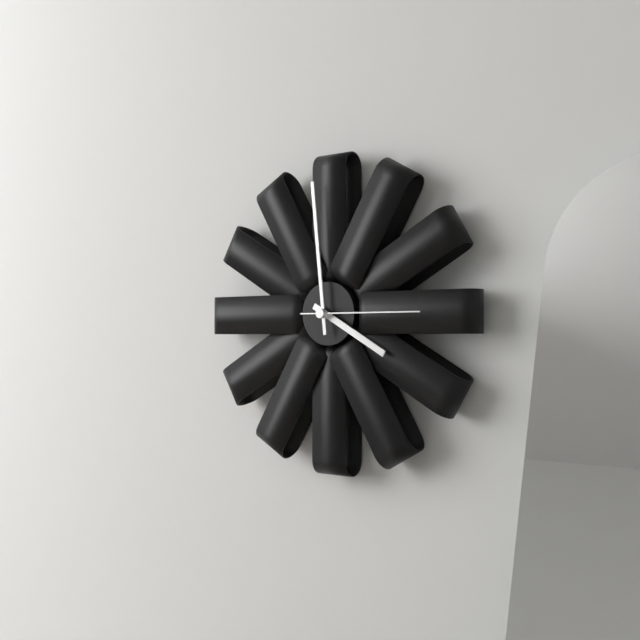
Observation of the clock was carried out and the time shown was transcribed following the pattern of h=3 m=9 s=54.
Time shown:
h=3 m=59 s=15
